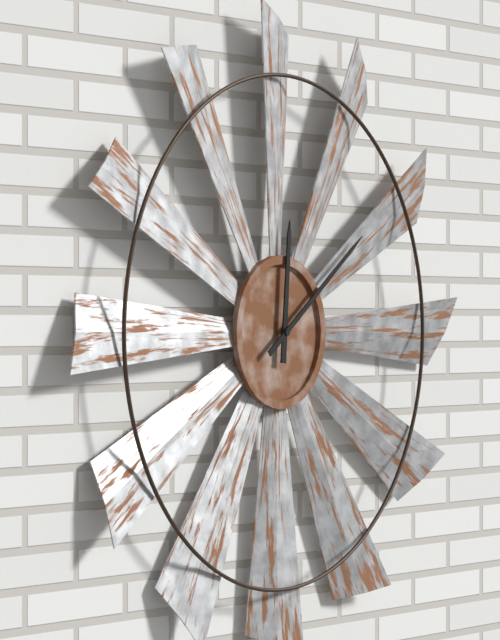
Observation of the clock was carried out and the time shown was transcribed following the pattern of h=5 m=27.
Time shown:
h=12 m=9
